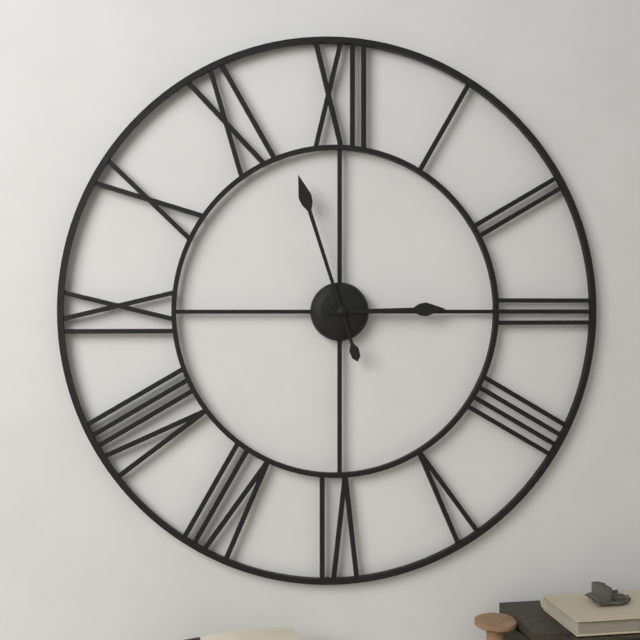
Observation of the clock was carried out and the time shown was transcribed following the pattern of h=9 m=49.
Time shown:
h=2 m=57
